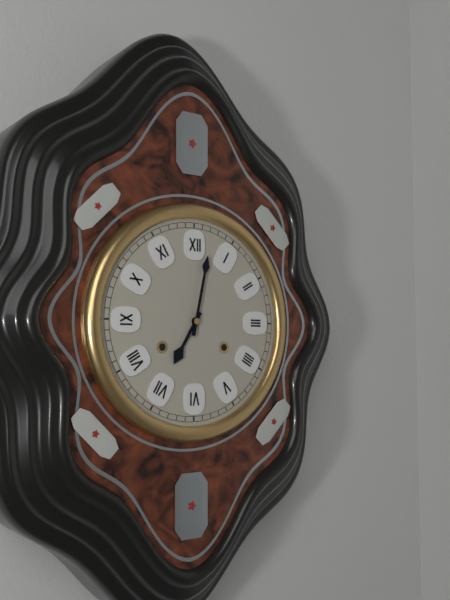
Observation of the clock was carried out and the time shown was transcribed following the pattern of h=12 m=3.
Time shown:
h=7 m=2
